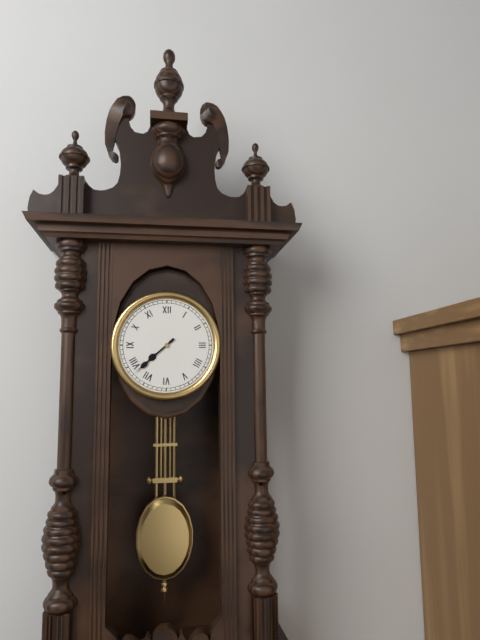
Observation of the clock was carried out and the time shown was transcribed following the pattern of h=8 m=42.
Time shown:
h=7 m=38
